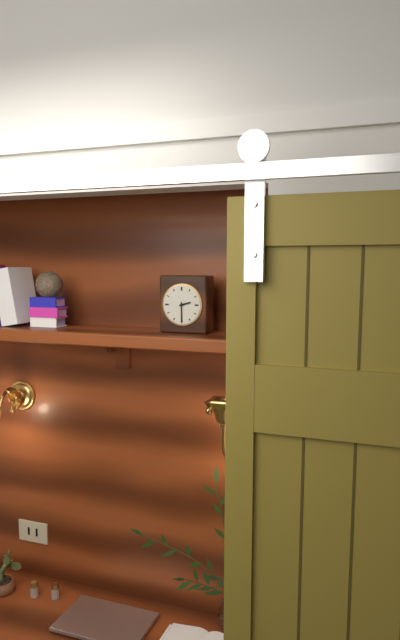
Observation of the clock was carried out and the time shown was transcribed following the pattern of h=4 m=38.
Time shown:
h=2 m=30
